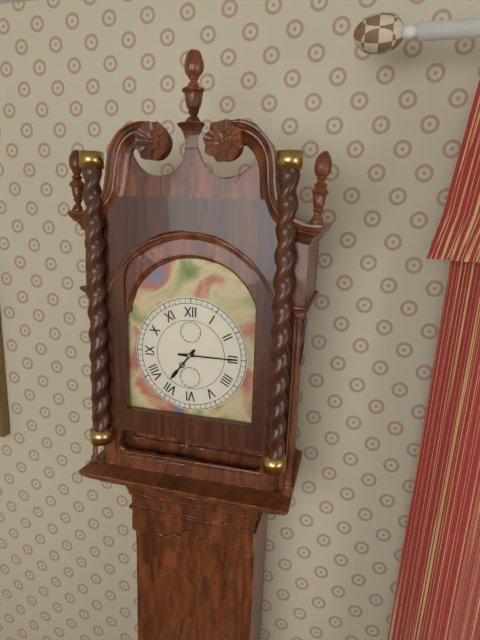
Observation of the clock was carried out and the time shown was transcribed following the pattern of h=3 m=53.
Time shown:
h=7 m=15
